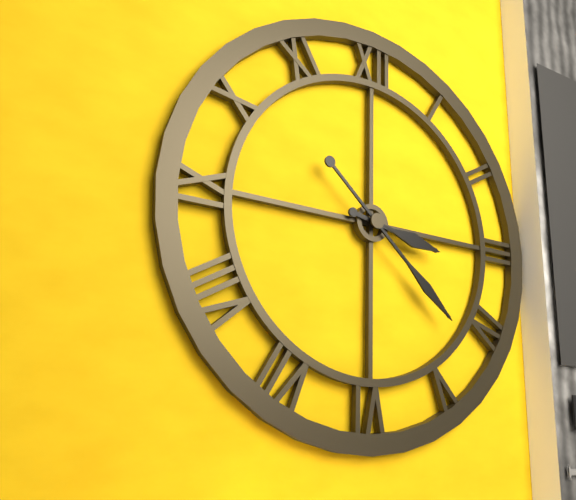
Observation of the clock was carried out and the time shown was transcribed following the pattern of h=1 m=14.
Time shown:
h=3 m=22
